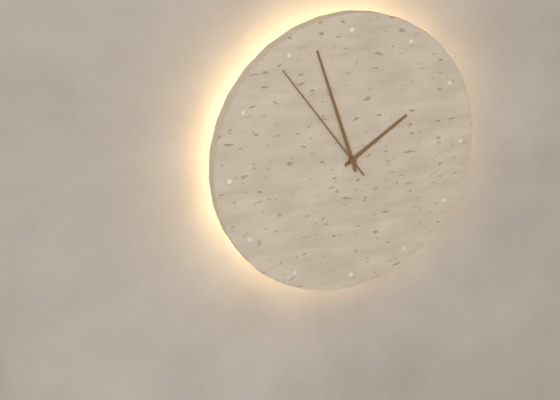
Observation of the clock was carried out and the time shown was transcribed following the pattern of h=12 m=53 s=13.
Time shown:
h=1 m=57 s=54
